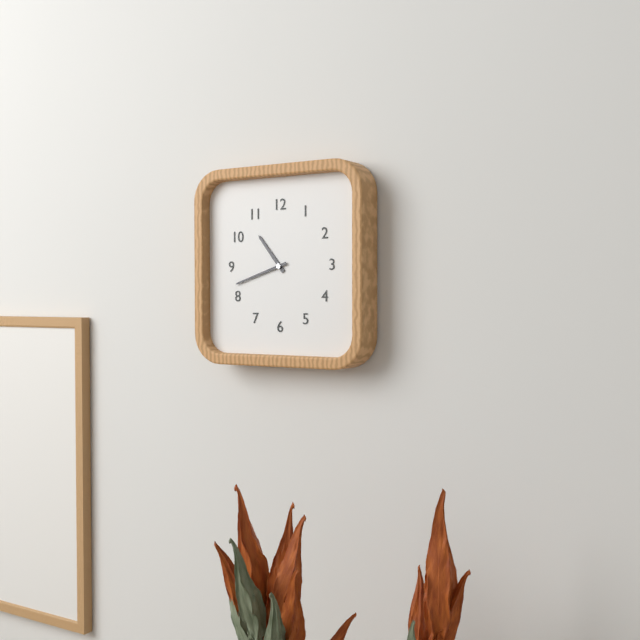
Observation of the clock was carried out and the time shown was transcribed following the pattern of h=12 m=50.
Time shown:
h=10 m=42
